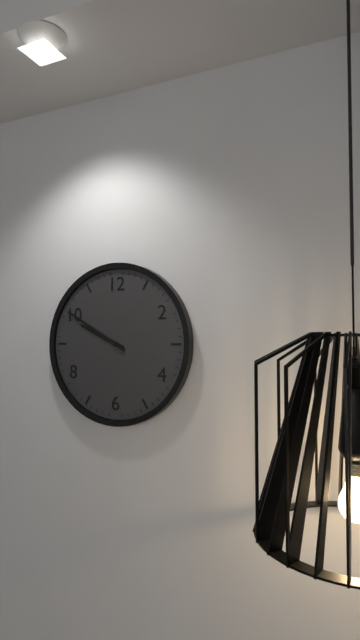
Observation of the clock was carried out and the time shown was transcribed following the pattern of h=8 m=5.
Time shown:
h=9 m=50
